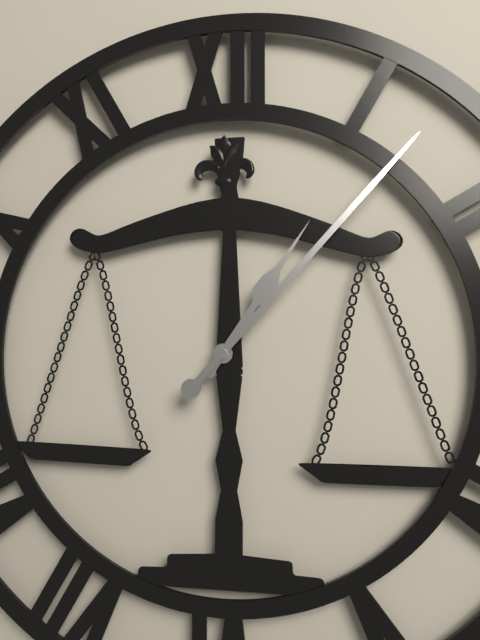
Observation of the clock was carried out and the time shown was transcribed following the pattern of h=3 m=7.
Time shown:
h=1 m=7
